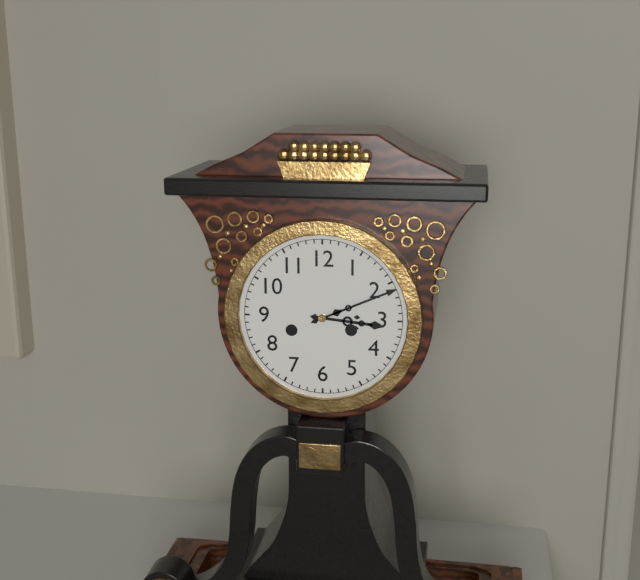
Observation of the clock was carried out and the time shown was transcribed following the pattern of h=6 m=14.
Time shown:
h=3 m=11
